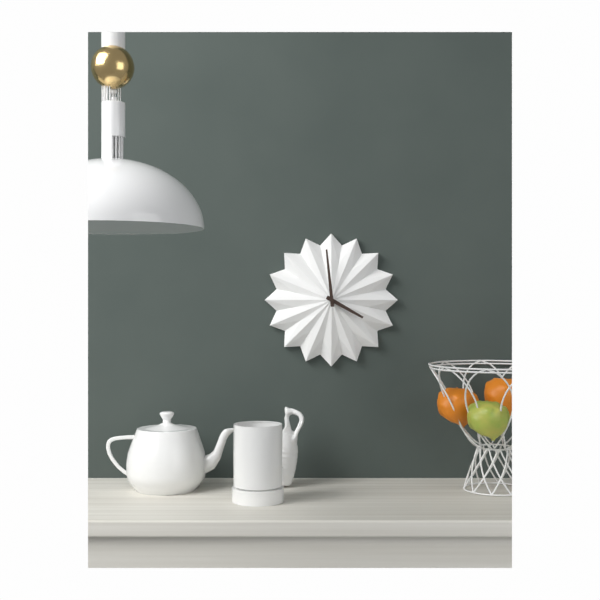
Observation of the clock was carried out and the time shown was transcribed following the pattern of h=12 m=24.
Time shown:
h=3 m=59
